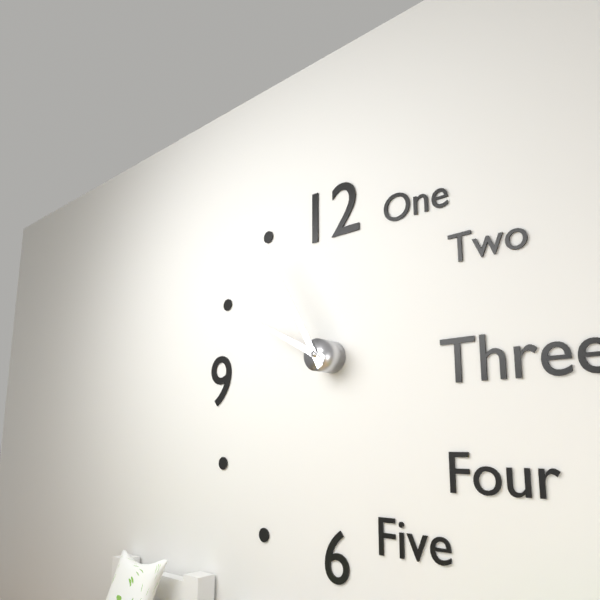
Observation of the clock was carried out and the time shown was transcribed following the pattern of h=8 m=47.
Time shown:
h=9 m=55
